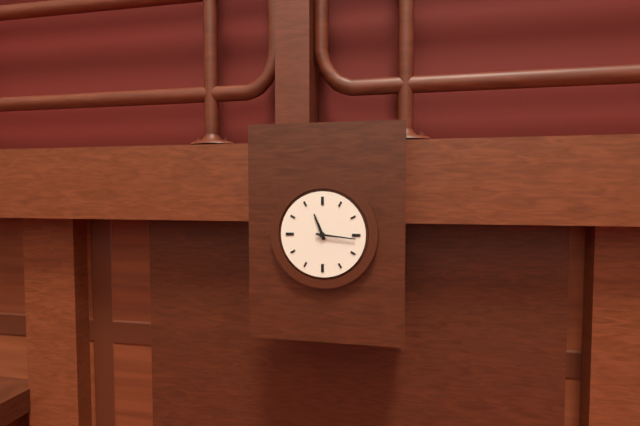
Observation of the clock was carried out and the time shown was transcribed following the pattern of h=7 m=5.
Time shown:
h=11 m=16
